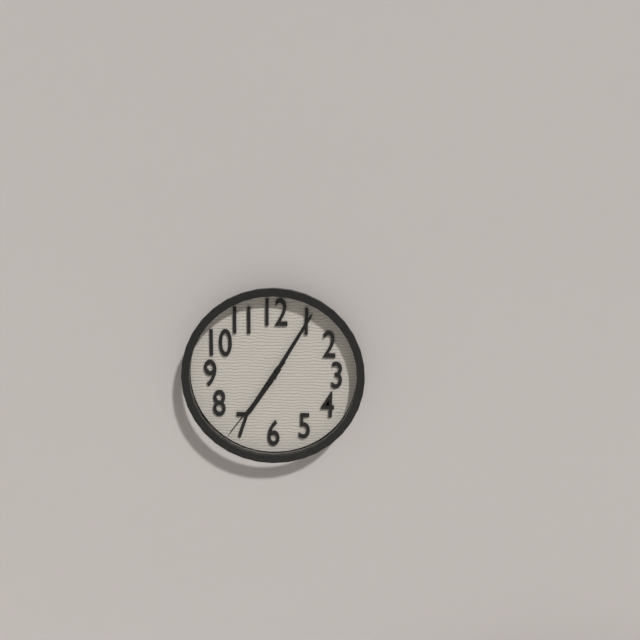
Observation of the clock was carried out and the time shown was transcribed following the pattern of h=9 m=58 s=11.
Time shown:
h=7 m=5 s=36
